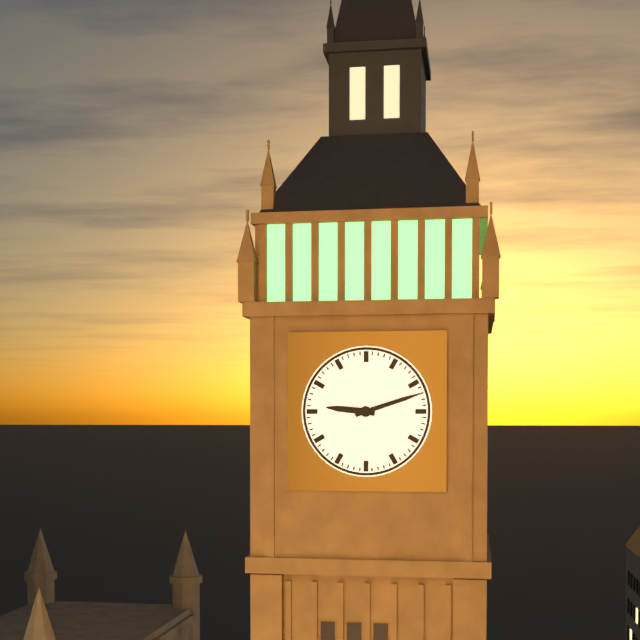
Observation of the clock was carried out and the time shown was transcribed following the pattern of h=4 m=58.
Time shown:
h=9 m=12
